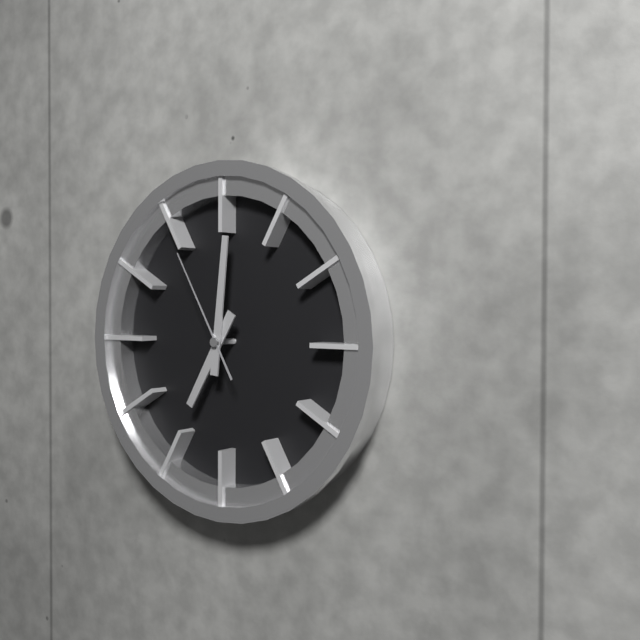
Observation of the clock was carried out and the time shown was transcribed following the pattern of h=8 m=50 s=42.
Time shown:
h=7 m=1 s=55
